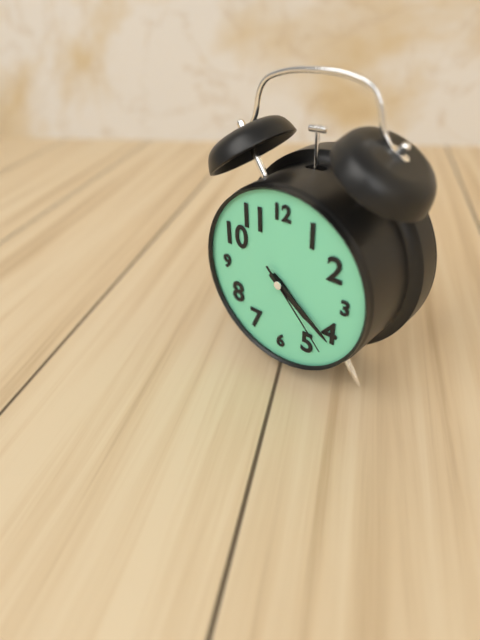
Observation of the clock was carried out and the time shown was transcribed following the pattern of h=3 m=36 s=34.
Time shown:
h=4 m=21 s=23
